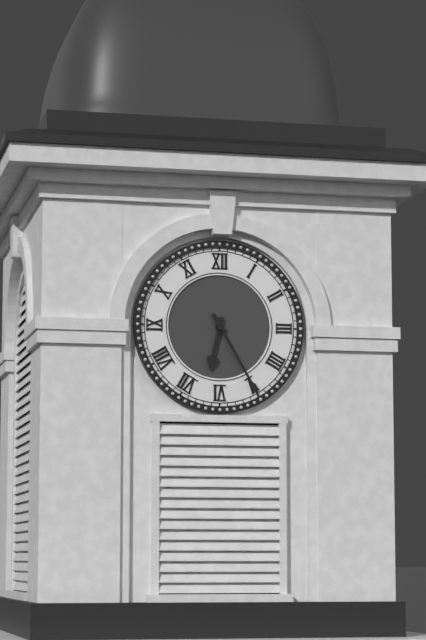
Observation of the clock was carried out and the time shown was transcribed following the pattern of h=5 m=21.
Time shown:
h=6 m=25
